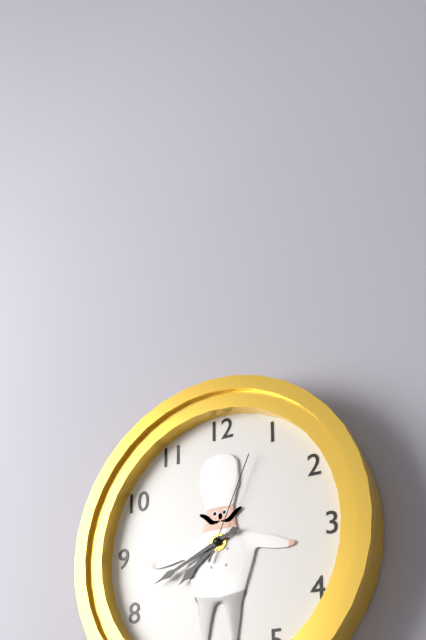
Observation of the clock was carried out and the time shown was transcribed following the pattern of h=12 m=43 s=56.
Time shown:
h=7 m=41 s=4
